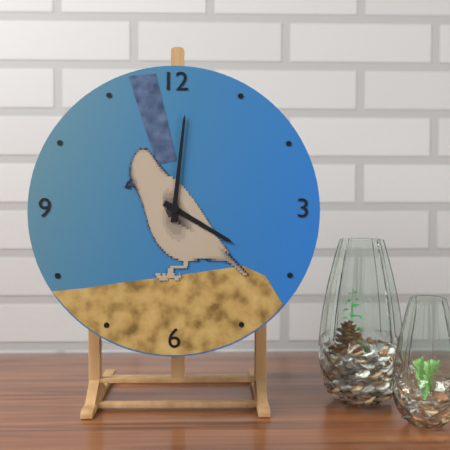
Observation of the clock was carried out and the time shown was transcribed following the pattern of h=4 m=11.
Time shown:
h=4 m=1
